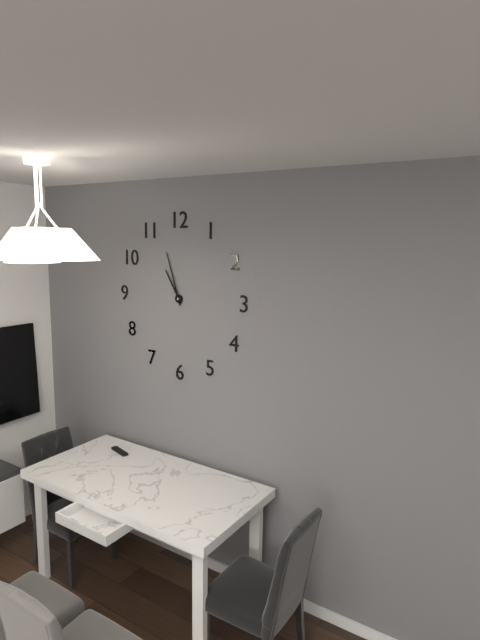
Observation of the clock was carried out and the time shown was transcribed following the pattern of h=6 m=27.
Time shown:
h=10 m=57
